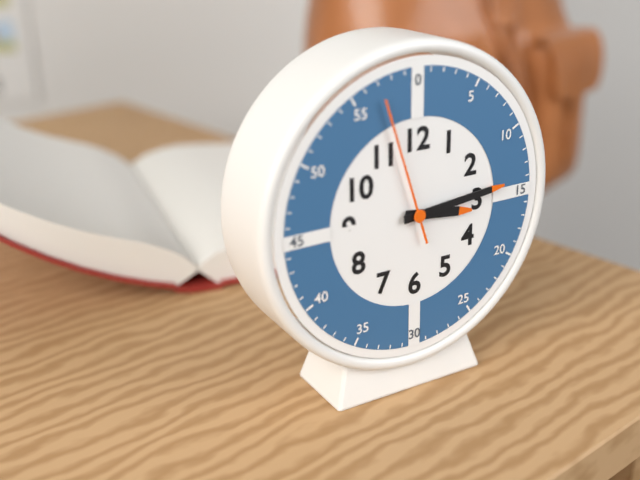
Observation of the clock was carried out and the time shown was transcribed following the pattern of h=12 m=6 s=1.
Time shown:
h=3 m=14 s=57
